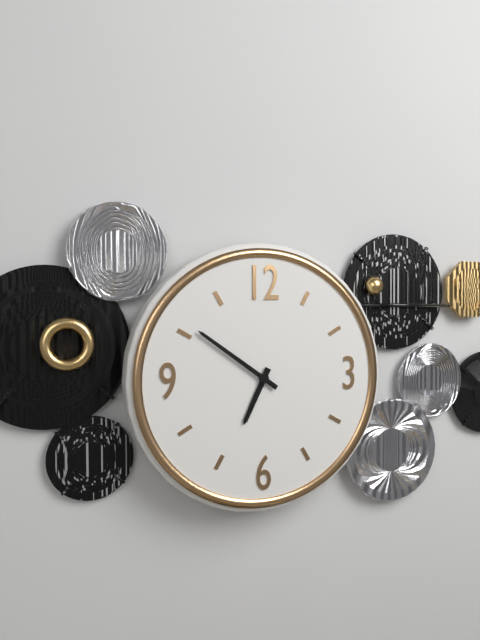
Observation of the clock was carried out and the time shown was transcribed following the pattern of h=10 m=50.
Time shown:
h=6 m=51
